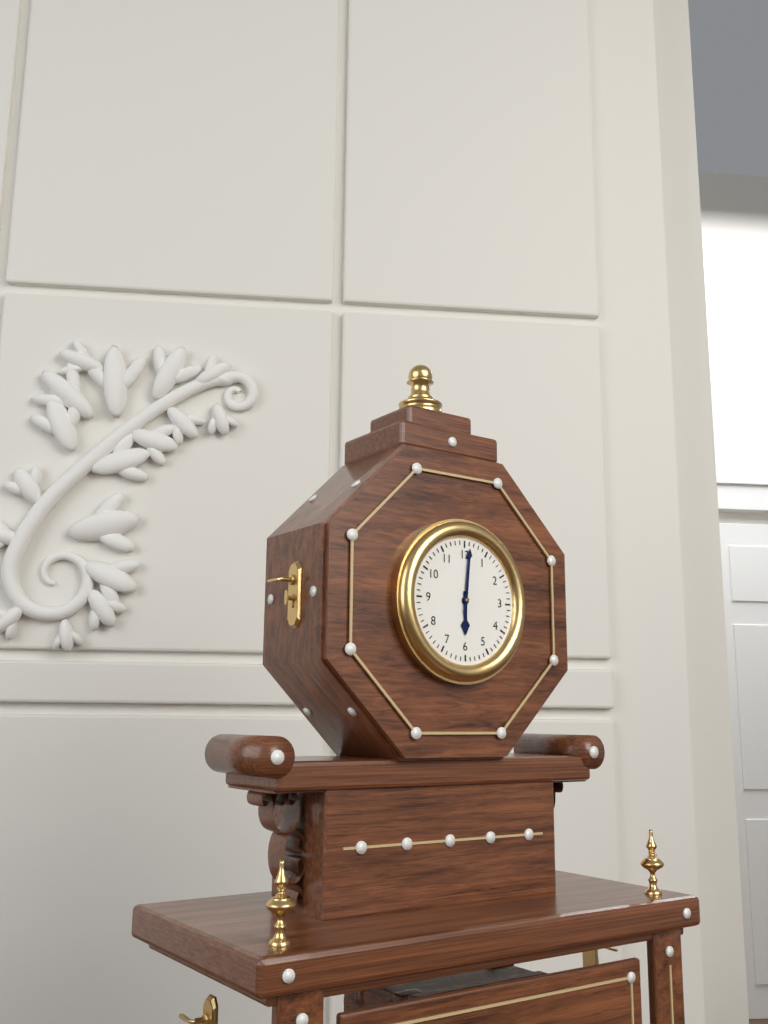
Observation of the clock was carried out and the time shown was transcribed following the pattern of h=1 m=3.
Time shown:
h=6 m=1
